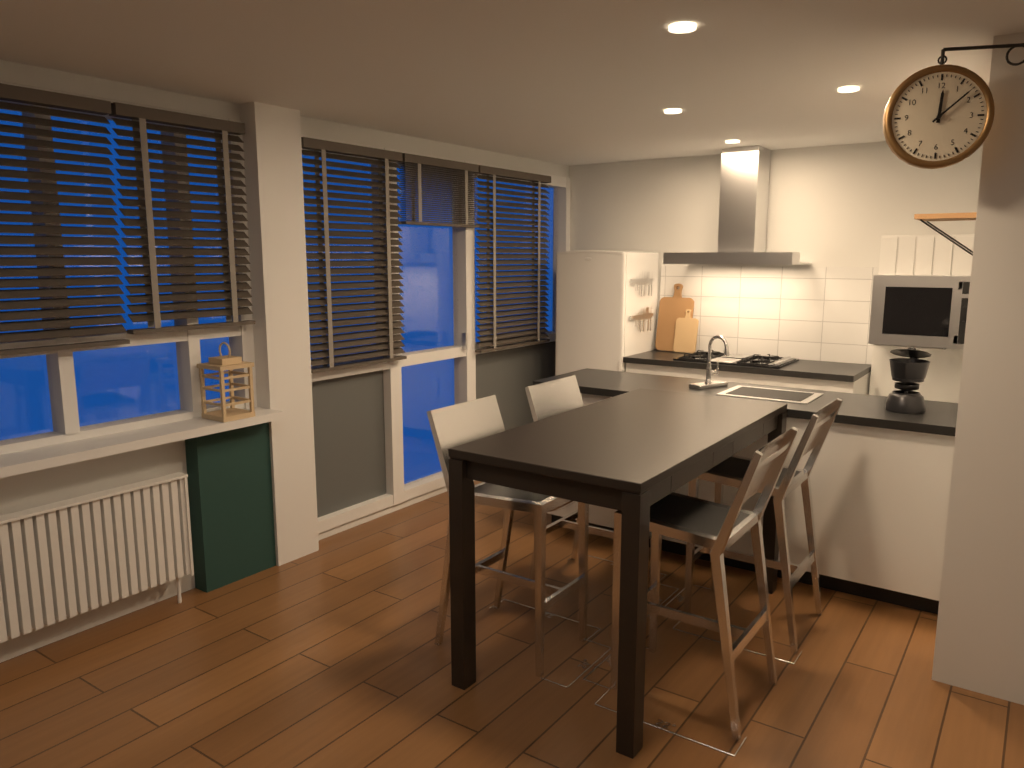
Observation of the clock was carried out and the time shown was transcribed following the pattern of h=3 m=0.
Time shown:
h=12 m=8
